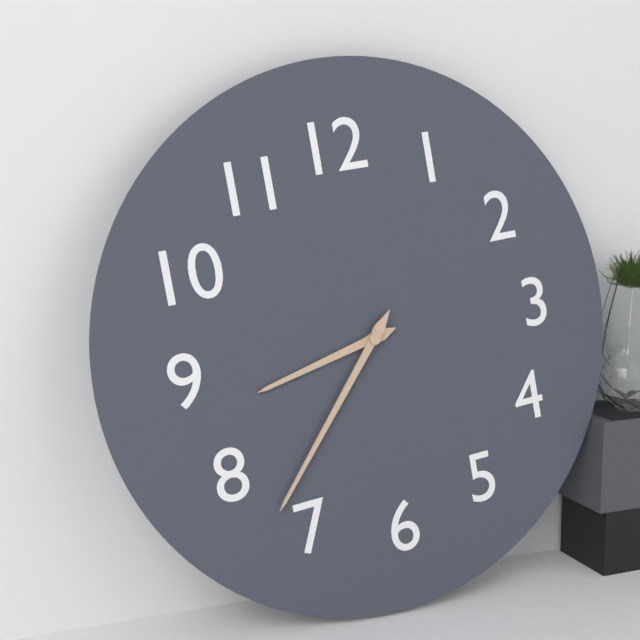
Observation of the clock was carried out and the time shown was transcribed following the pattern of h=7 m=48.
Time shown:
h=8 m=37
